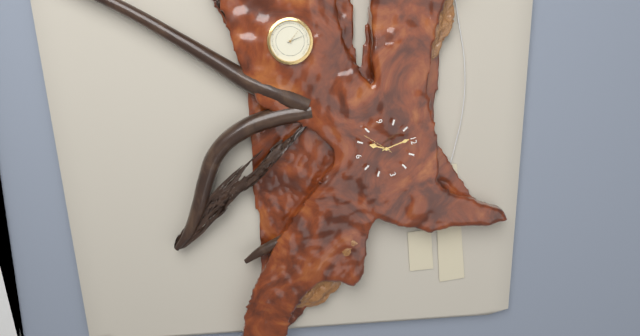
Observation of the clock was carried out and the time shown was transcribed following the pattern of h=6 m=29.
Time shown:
h=6 m=59
